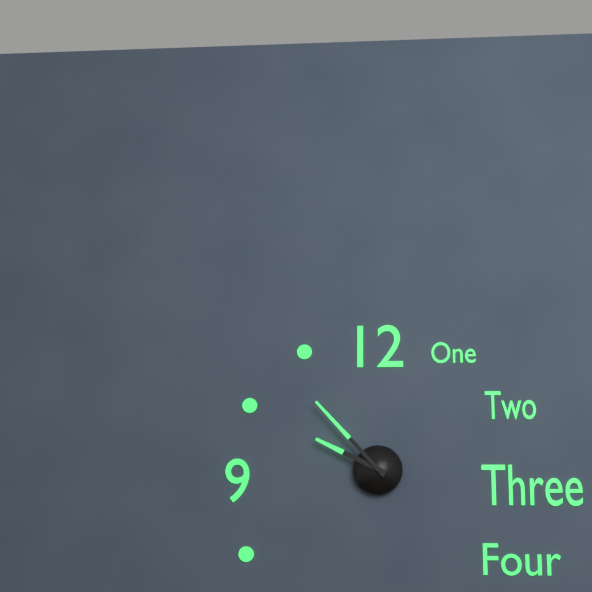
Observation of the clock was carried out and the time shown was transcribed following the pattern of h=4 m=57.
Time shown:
h=9 m=53
